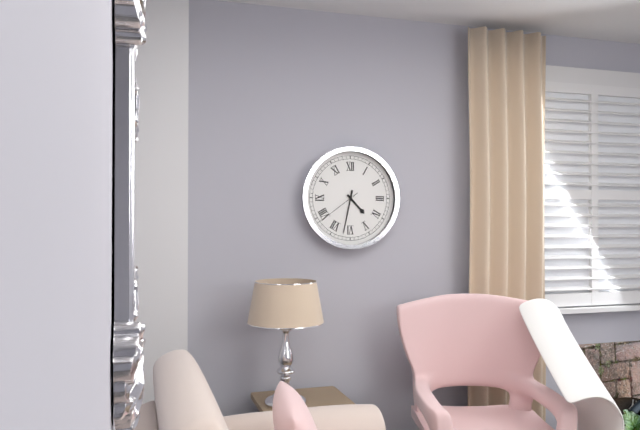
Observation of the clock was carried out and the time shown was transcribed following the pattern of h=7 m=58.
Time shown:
h=4 m=32
